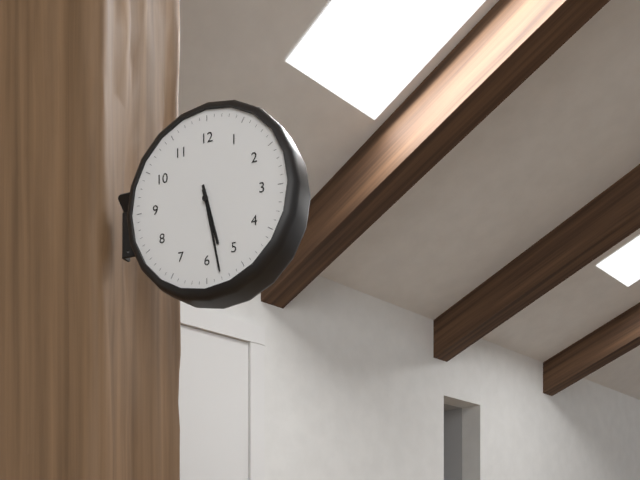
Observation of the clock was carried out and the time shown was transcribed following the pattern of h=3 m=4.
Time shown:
h=5 m=28
